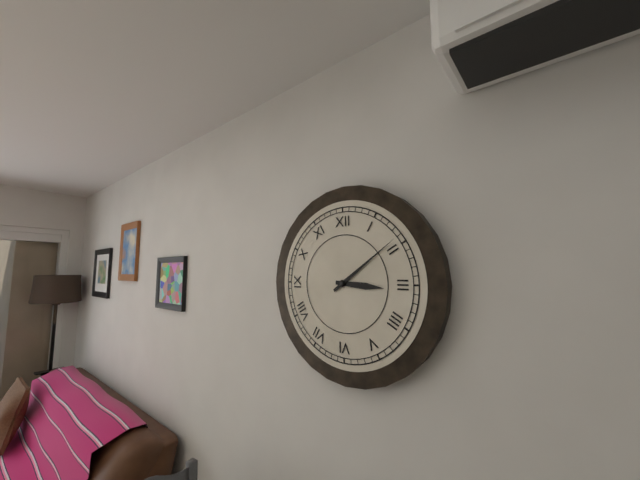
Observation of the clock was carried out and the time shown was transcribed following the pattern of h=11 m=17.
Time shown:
h=3 m=9
